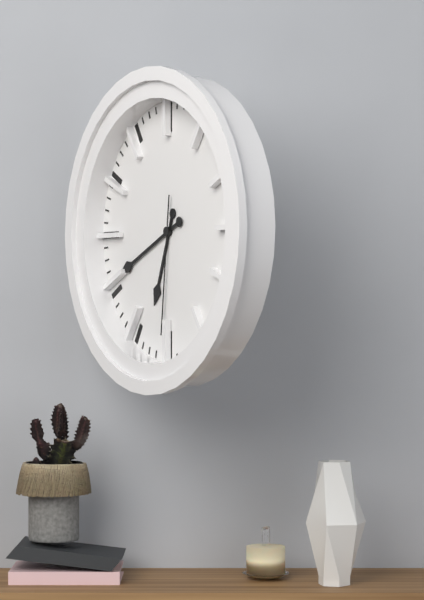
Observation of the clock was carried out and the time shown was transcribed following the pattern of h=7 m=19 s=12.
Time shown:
h=6 m=41 s=31
